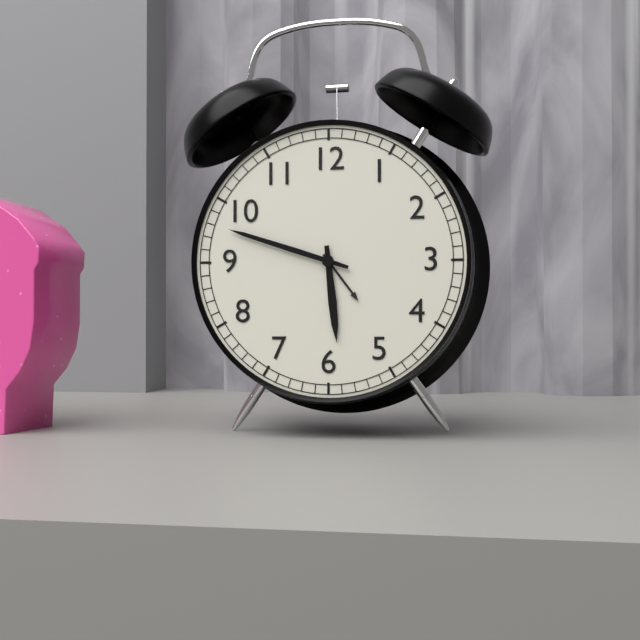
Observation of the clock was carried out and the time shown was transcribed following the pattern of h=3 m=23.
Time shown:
h=5 m=48
